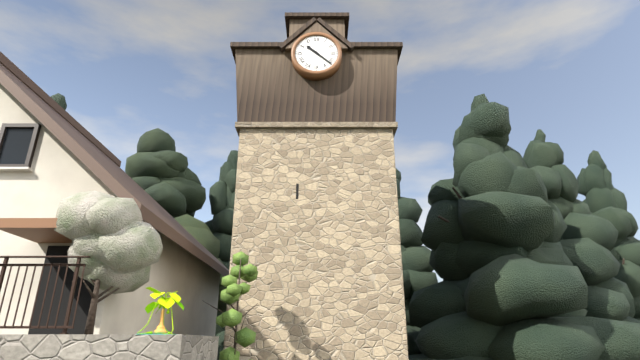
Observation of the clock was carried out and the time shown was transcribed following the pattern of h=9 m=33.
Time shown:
h=10 m=22
